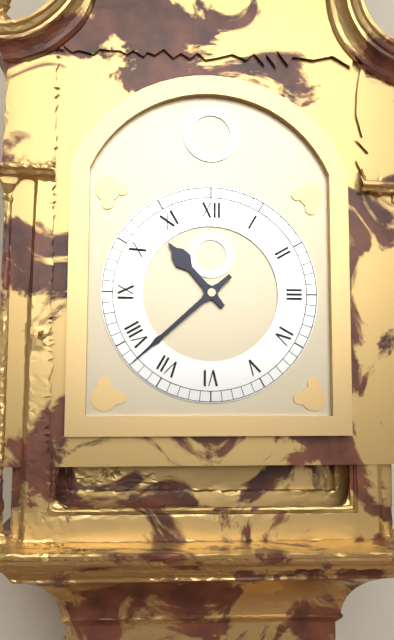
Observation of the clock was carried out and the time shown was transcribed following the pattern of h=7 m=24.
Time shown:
h=10 m=38
